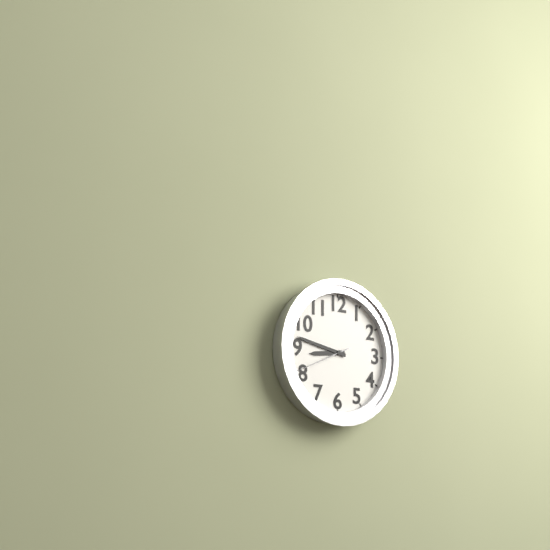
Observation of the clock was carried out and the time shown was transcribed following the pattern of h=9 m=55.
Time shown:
h=8 m=47
